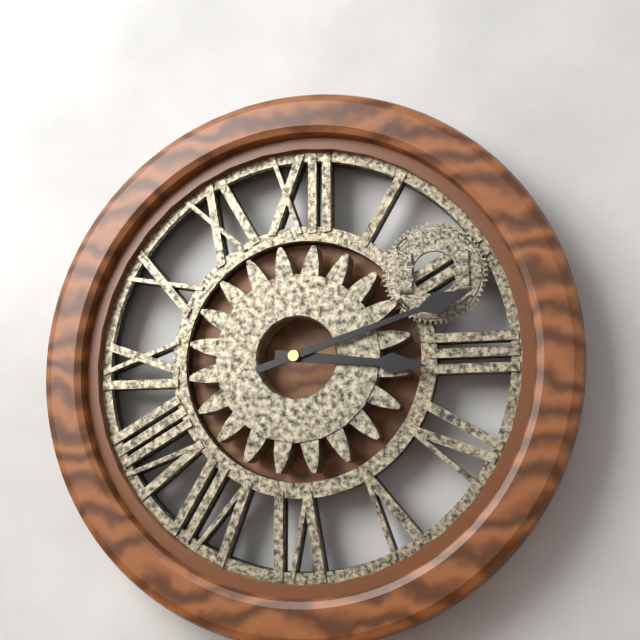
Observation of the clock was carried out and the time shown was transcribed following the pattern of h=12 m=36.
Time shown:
h=3 m=12
